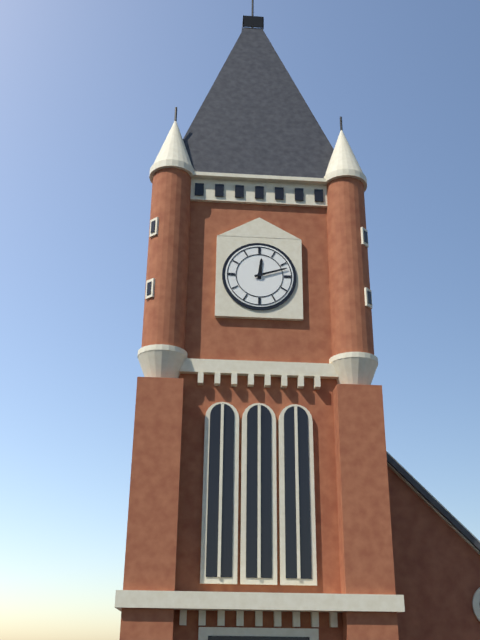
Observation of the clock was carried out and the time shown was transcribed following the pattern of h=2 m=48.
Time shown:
h=12 m=12
